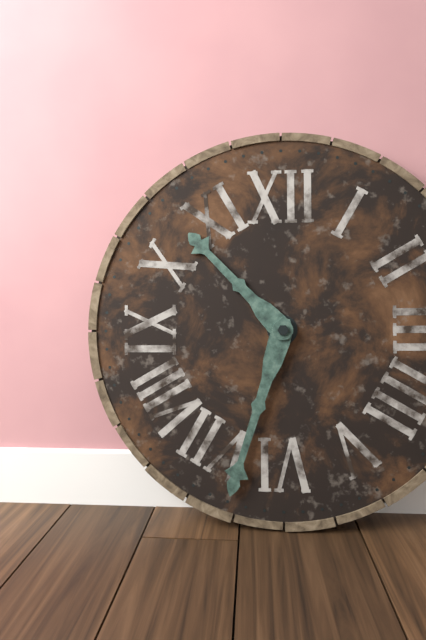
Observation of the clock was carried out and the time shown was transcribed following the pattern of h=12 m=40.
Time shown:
h=10 m=33
